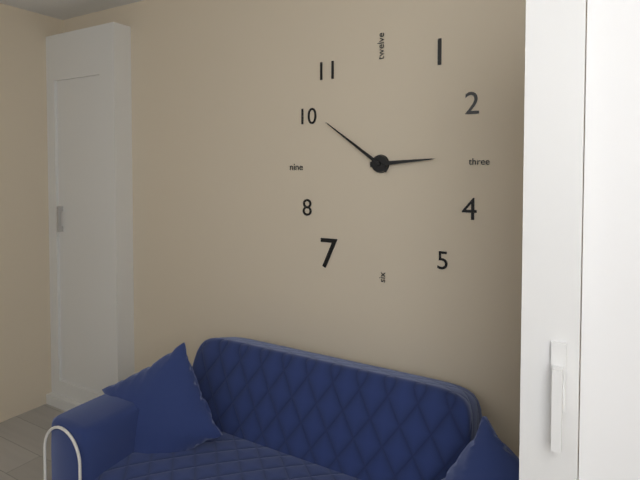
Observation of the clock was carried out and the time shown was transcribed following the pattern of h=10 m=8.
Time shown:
h=2 m=51
